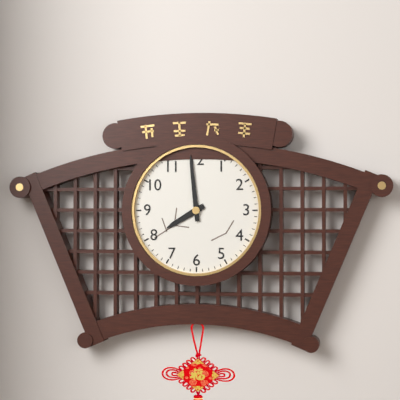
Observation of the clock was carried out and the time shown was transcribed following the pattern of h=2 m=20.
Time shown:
h=7 m=59
